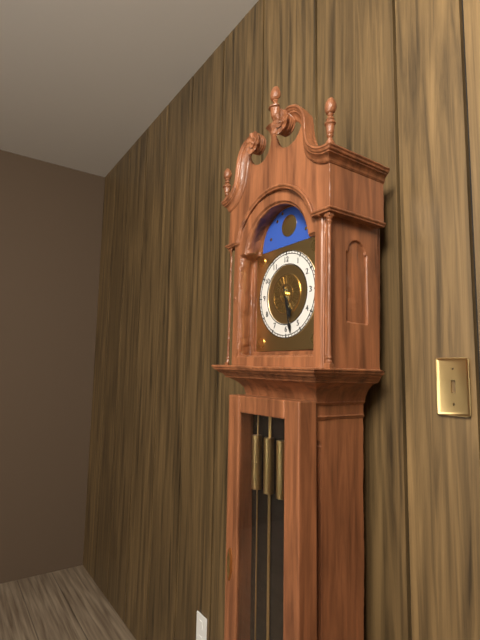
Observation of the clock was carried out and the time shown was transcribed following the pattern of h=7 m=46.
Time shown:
h=5 m=28
